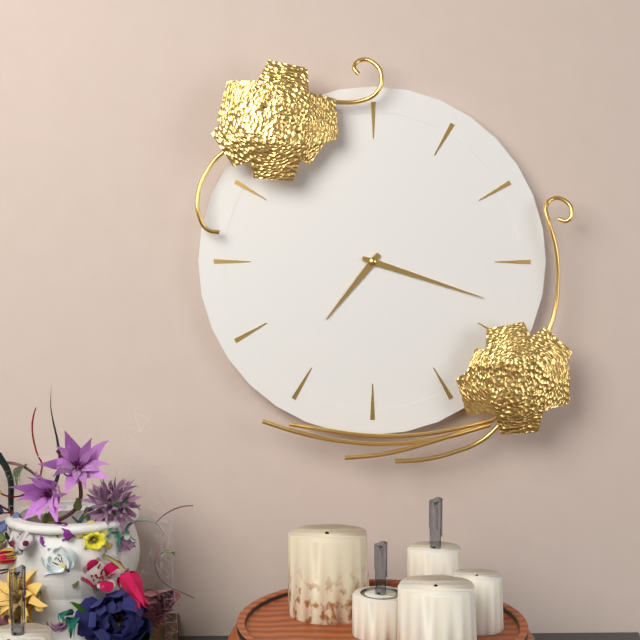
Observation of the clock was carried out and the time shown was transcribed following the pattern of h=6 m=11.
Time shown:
h=7 m=18
